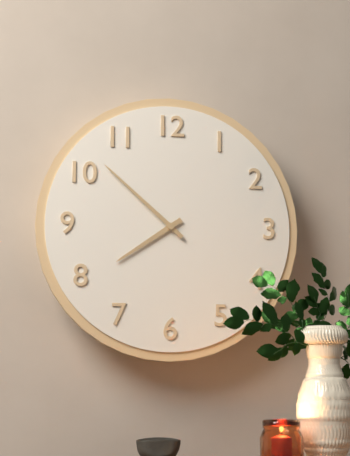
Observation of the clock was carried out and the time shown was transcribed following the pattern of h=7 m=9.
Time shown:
h=7 m=52
